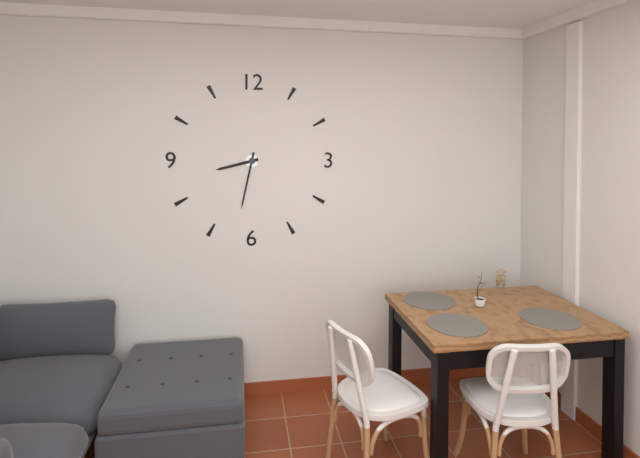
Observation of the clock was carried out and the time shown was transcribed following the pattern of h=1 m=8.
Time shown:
h=8 m=32
